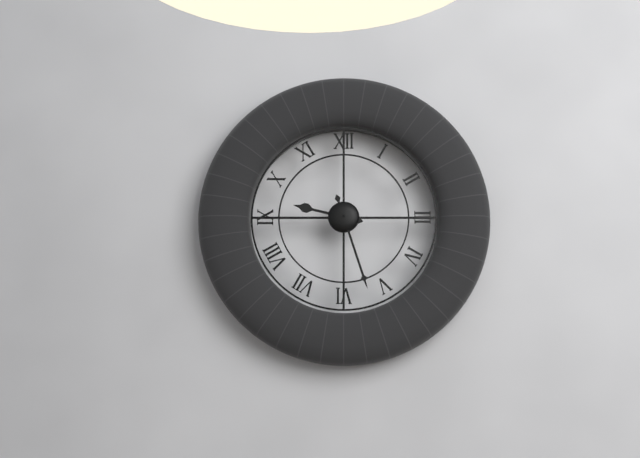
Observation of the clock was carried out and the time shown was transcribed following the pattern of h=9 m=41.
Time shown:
h=9 m=27
